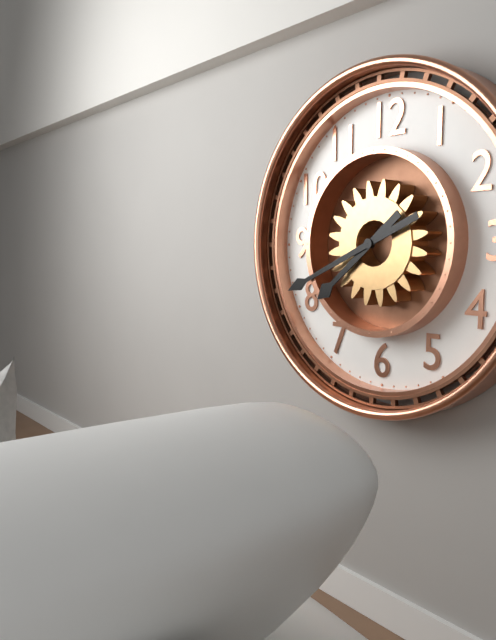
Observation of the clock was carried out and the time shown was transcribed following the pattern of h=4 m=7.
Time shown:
h=7 m=41
